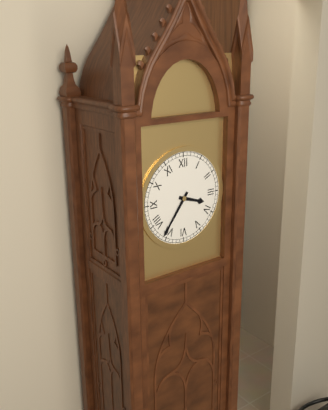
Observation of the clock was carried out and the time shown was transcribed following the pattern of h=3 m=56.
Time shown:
h=3 m=36
